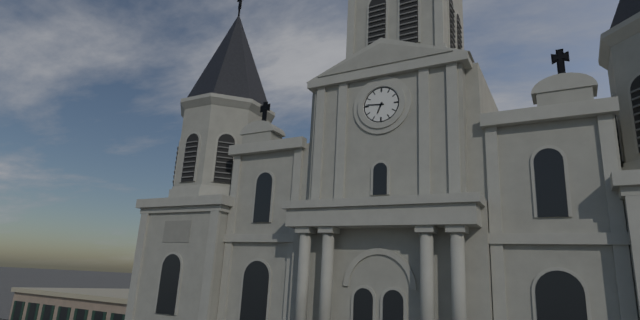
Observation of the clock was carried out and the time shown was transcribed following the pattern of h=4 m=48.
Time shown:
h=6 m=46
